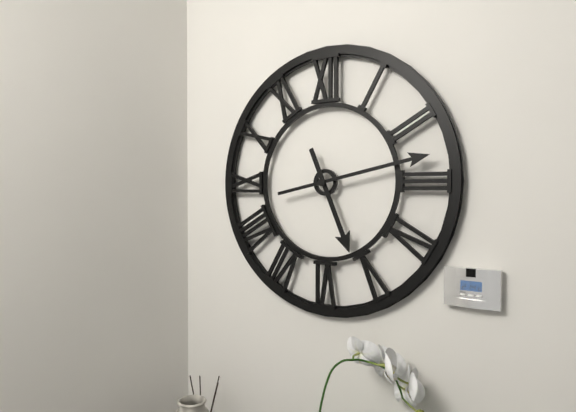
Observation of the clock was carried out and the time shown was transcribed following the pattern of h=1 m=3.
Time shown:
h=5 m=13
